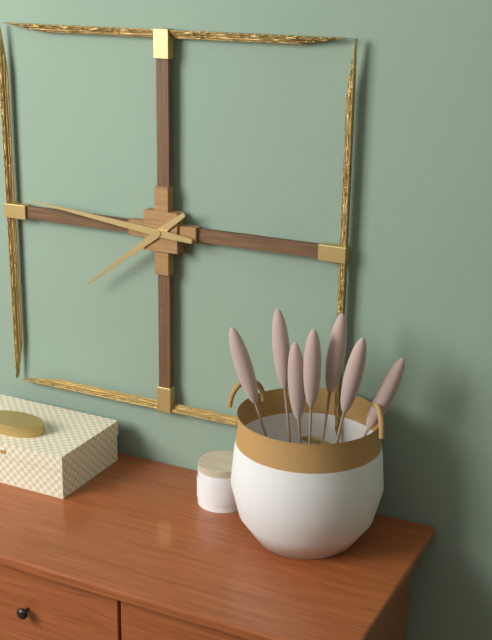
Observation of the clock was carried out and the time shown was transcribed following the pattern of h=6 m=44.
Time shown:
h=7 m=46
